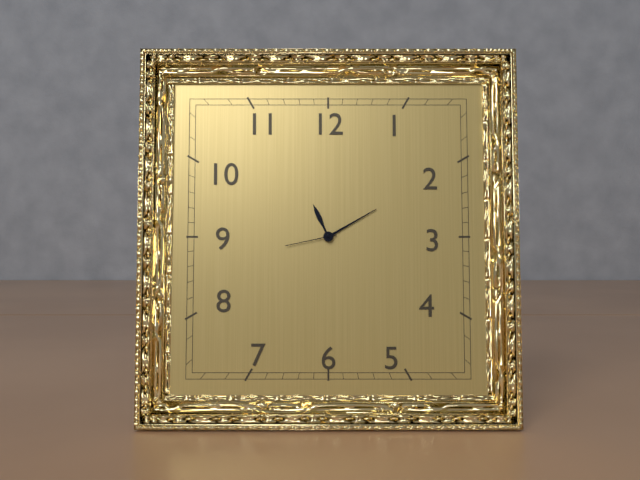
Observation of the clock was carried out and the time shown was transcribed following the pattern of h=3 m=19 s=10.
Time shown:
h=11 m=10 s=43
